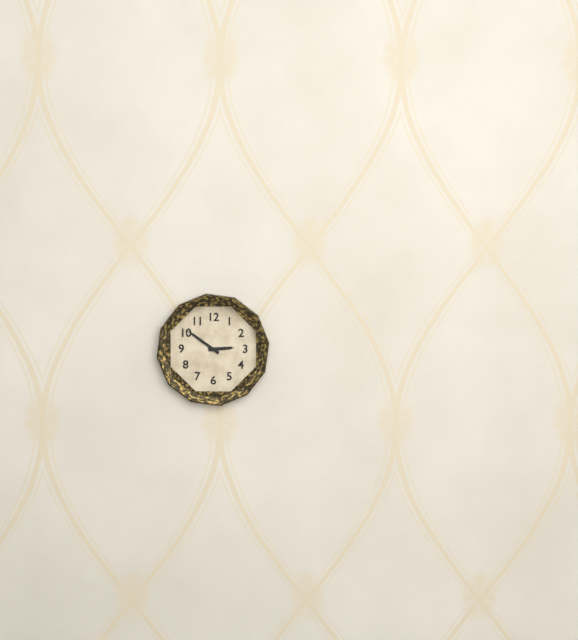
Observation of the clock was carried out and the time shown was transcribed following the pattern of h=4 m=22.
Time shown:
h=2 m=51
